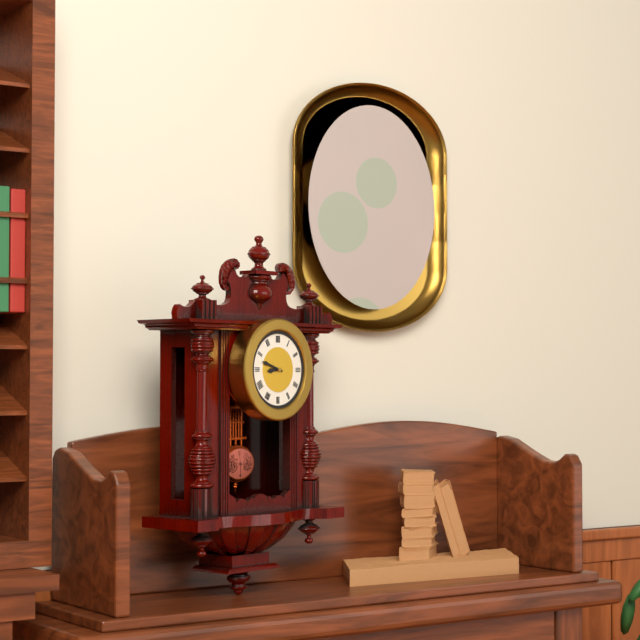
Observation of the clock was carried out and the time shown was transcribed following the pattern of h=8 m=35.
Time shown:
h=8 m=48
